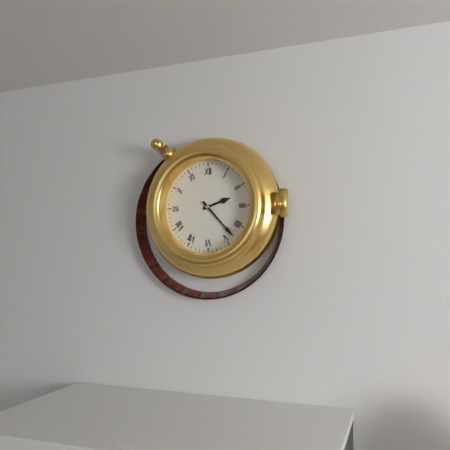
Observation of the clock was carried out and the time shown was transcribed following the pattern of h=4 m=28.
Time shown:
h=2 m=23
